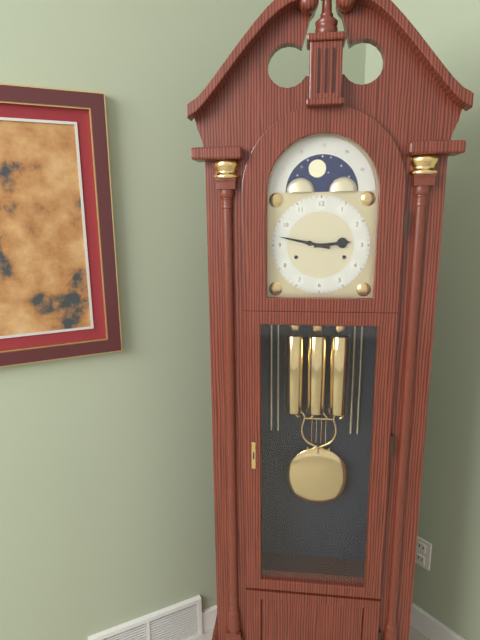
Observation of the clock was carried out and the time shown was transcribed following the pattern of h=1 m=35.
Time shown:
h=2 m=47
